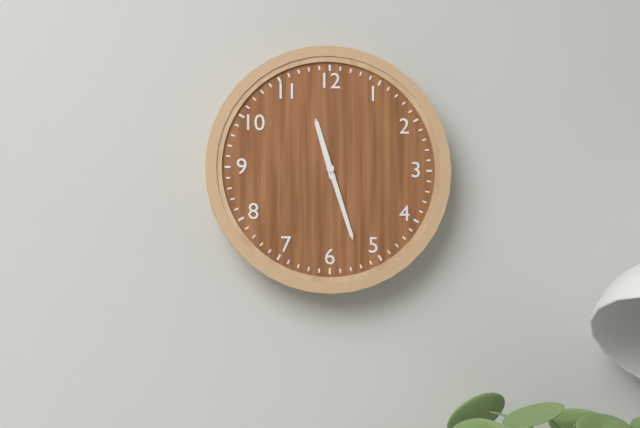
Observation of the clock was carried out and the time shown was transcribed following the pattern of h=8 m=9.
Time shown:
h=11 m=27
